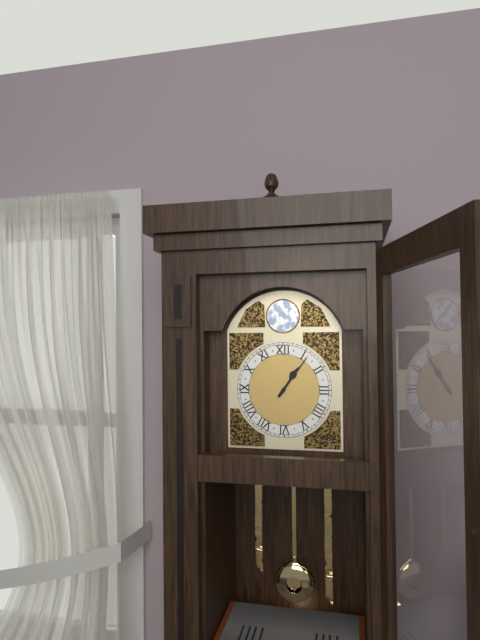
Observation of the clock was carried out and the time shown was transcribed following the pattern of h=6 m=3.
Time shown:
h=1 m=6
